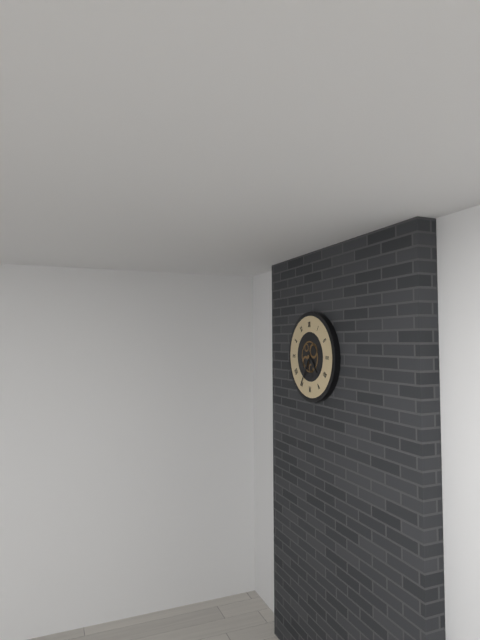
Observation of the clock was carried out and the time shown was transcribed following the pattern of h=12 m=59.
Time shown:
h=4 m=35
